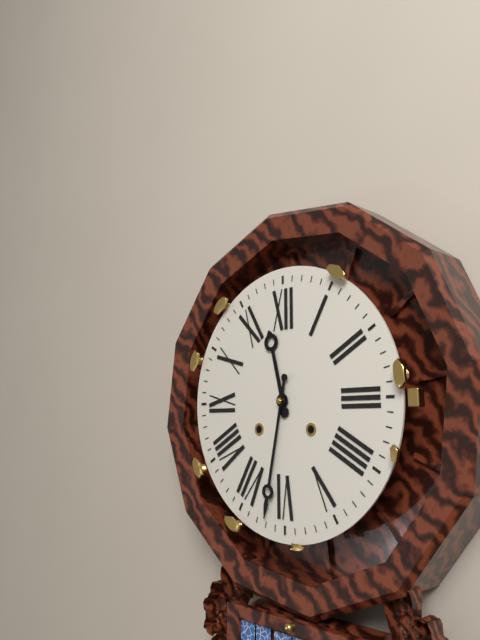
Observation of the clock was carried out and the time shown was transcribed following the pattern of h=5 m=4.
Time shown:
h=11 m=32
